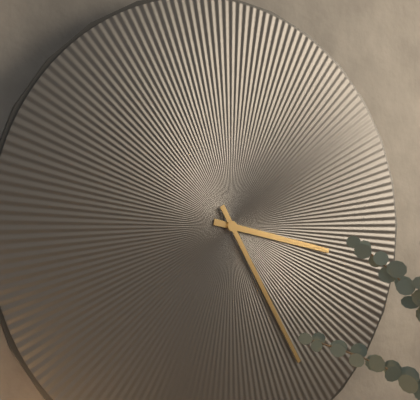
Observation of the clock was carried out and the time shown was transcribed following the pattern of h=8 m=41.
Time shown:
h=3 m=25
